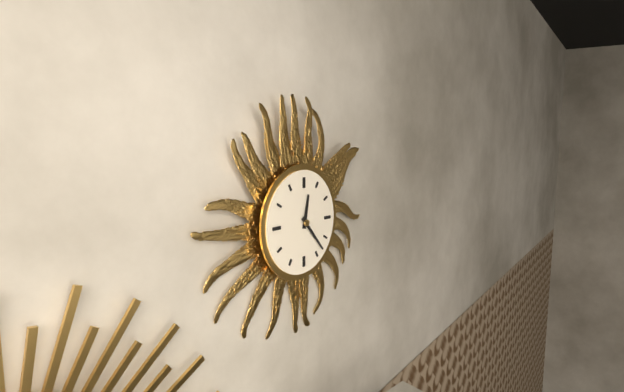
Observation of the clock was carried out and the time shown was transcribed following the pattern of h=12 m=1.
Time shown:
h=12 m=23
